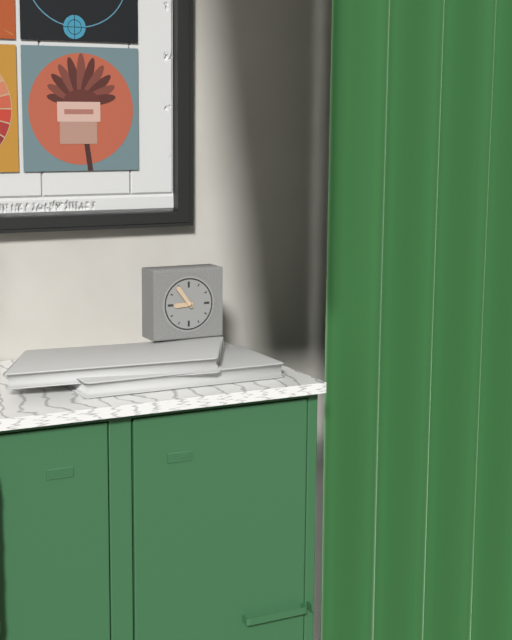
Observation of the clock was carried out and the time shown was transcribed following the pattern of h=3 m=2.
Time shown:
h=8 m=54
